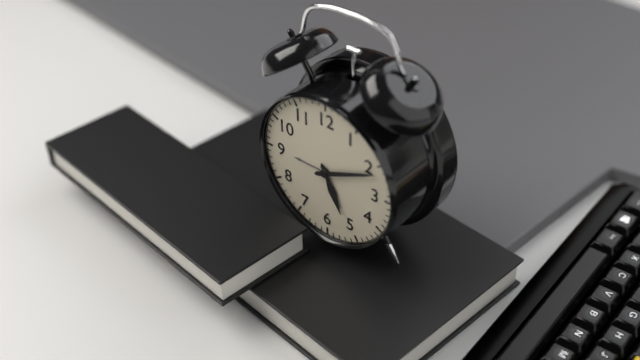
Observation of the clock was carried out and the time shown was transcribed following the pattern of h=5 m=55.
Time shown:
h=5 m=11
